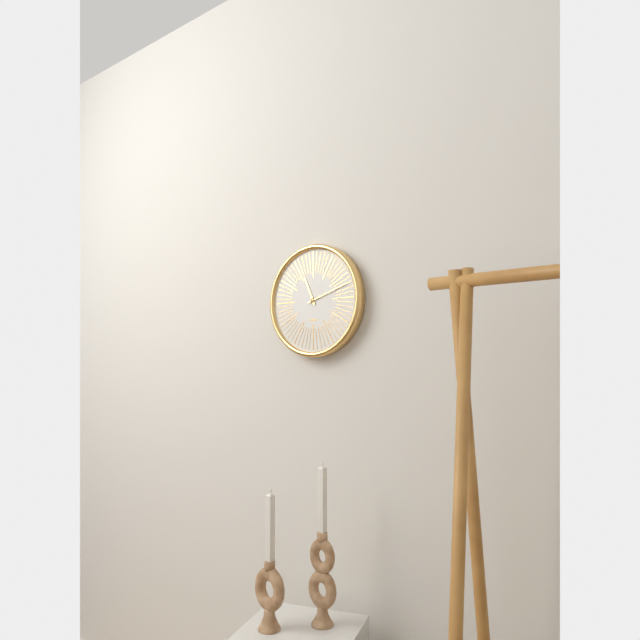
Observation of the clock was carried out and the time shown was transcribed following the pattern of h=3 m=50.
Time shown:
h=11 m=12
